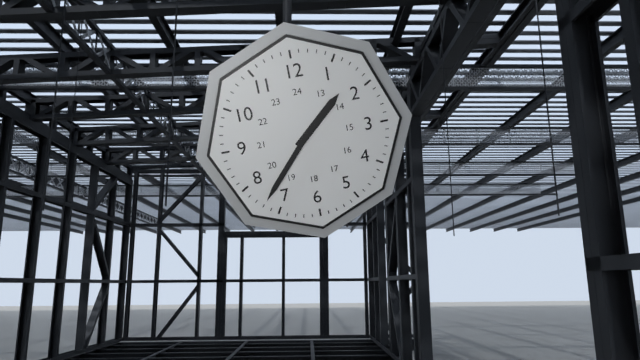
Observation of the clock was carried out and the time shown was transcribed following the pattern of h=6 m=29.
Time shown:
h=1 m=37
